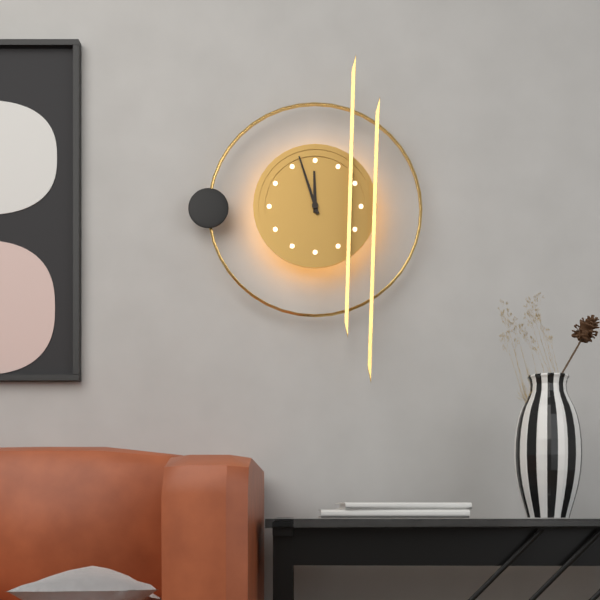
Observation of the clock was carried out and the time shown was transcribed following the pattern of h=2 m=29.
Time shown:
h=11 m=57
